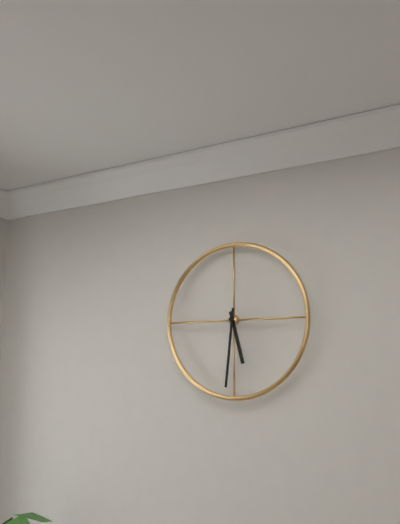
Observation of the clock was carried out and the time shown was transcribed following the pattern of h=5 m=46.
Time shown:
h=5 m=31
